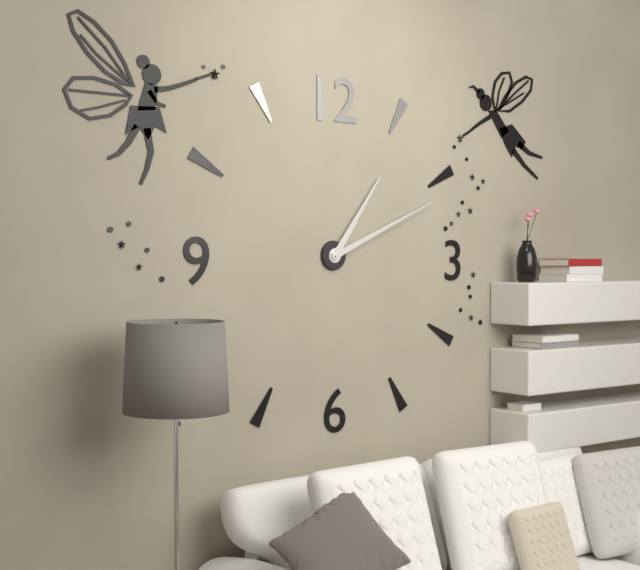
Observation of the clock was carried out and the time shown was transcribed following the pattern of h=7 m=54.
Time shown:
h=1 m=11
